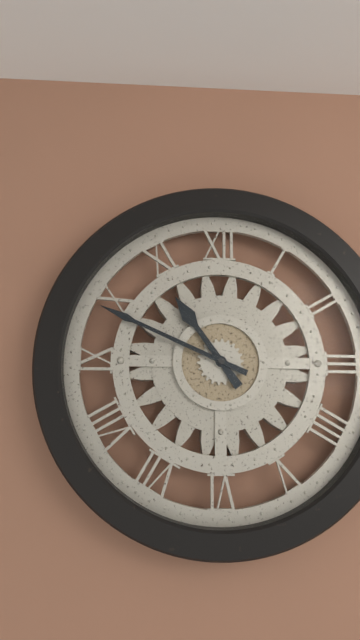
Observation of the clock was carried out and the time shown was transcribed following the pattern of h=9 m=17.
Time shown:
h=10 m=49
